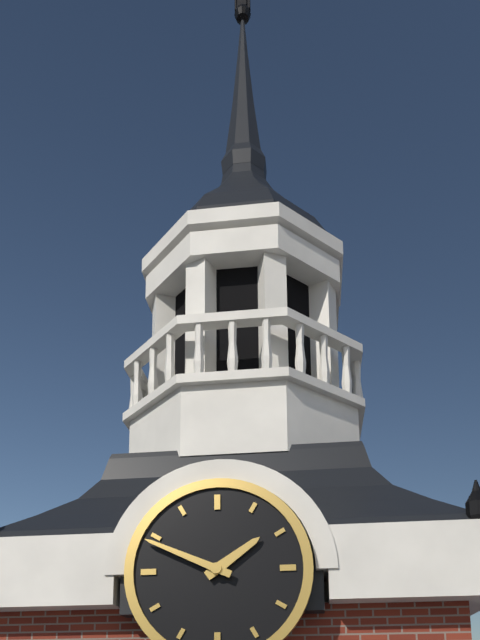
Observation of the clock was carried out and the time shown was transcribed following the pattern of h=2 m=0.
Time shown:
h=1 m=49
